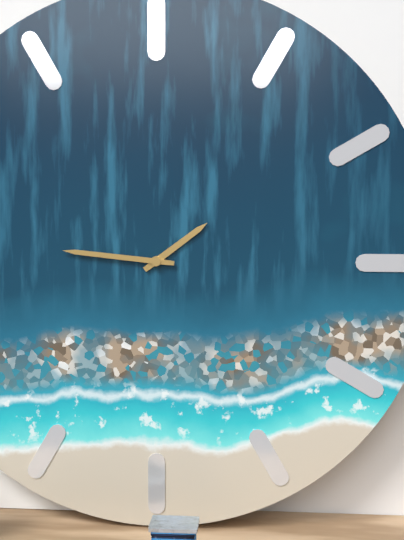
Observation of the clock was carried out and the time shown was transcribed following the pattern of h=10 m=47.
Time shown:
h=1 m=46
